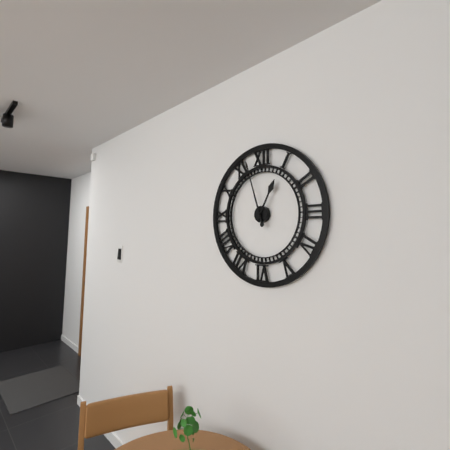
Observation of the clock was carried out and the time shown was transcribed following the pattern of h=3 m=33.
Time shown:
h=12 m=57
